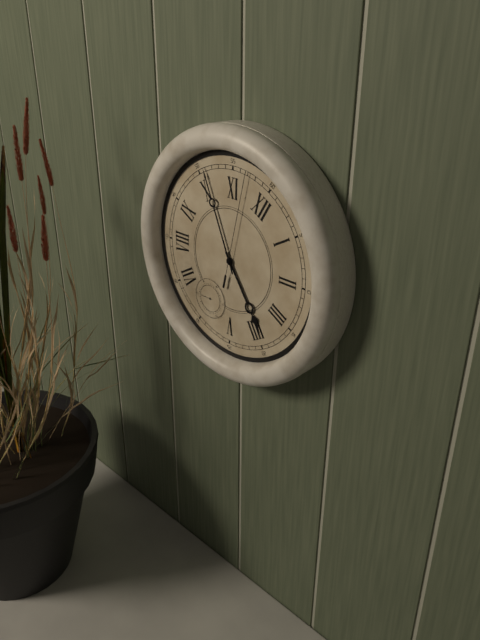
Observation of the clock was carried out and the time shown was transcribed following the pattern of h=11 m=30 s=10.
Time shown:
h=3 m=51 s=57
